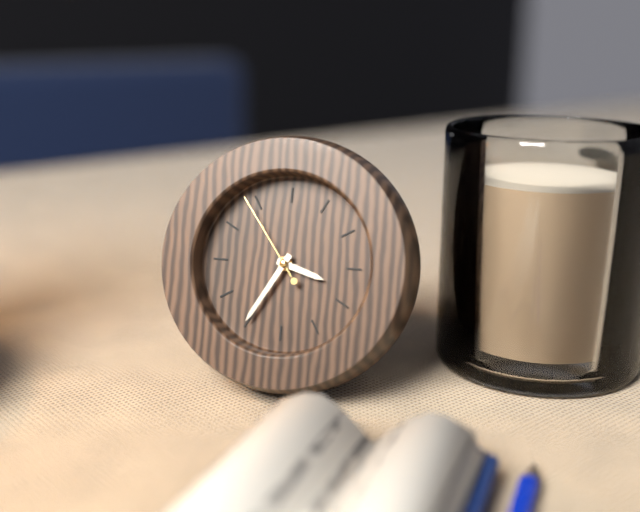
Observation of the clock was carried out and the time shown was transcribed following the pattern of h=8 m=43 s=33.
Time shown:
h=3 m=35 s=54
